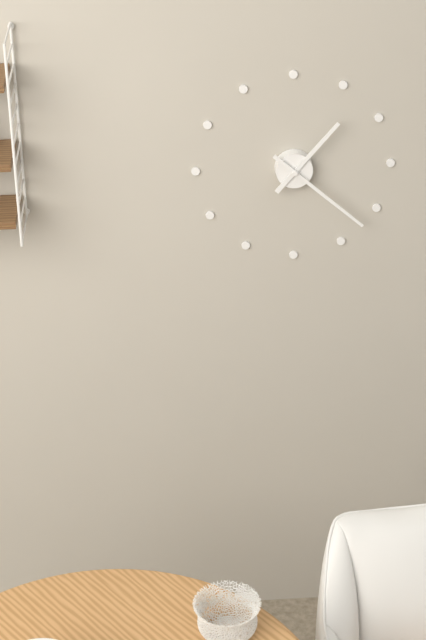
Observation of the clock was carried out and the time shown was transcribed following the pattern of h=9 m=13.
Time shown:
h=1 m=22
